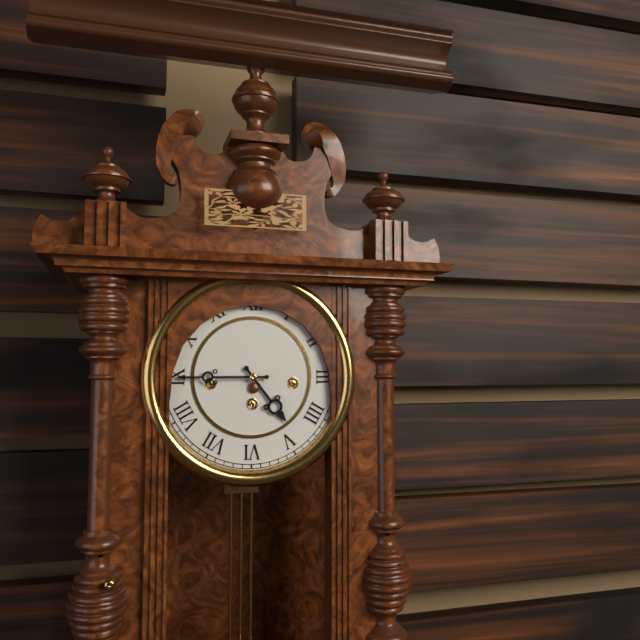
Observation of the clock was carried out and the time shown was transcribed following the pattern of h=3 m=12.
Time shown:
h=4 m=45
